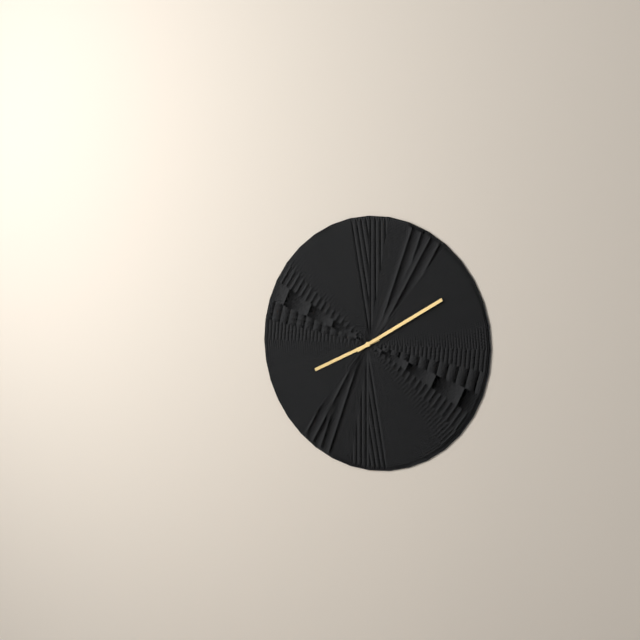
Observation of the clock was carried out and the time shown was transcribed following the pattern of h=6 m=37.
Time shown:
h=8 m=10
